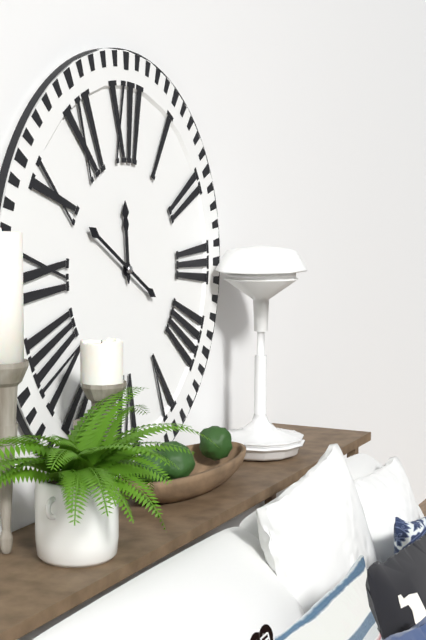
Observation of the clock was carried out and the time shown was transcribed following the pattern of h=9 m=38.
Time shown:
h=11 m=50
